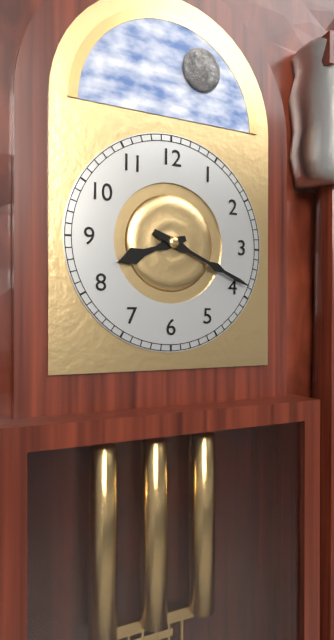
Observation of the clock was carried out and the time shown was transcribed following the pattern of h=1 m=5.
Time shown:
h=8 m=19
